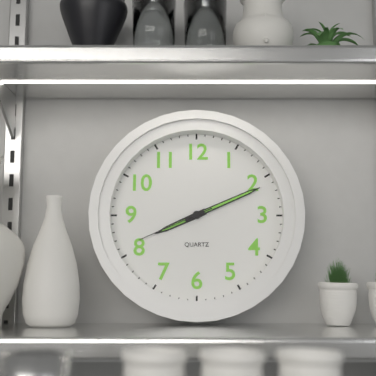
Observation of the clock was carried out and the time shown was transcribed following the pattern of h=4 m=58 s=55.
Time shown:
h=8 m=11 s=41
